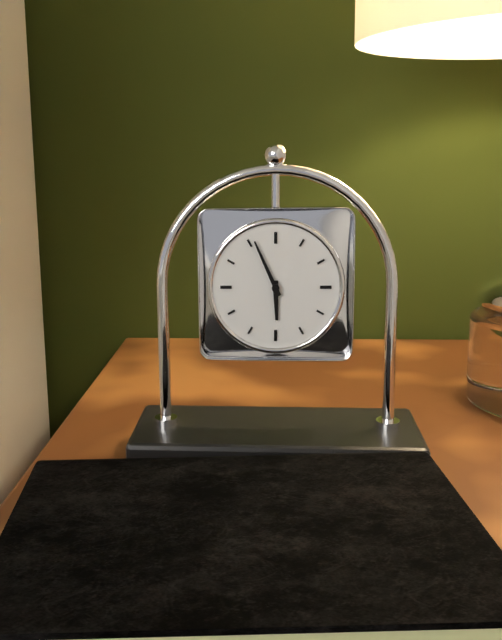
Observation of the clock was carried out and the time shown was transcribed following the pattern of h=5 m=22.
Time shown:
h=5 m=56
